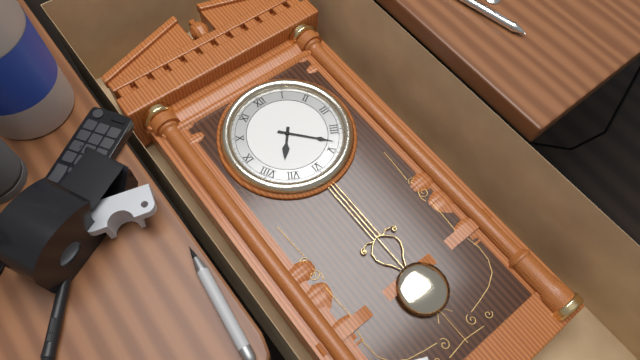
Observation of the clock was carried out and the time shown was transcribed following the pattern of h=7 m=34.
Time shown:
h=7 m=23
